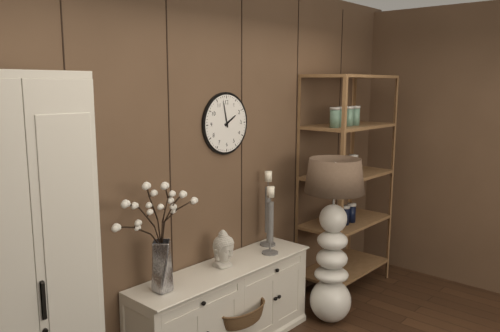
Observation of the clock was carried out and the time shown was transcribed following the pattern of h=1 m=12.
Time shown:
h=1 m=58
